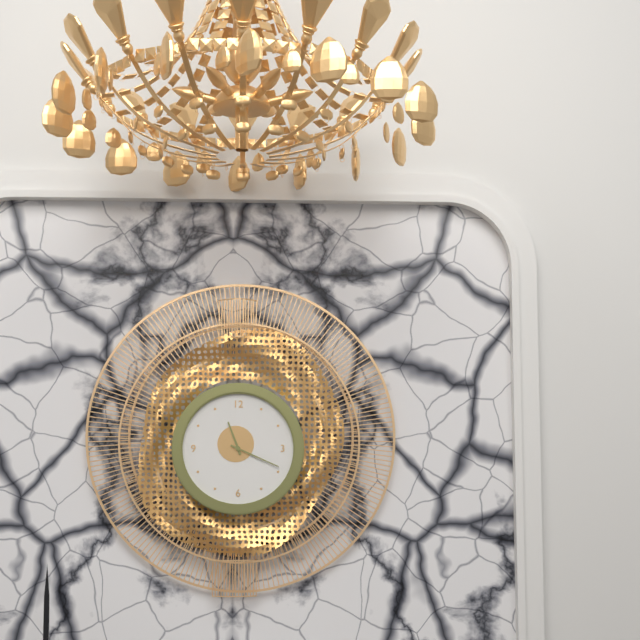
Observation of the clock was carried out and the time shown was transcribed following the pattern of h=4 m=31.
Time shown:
h=11 m=19
